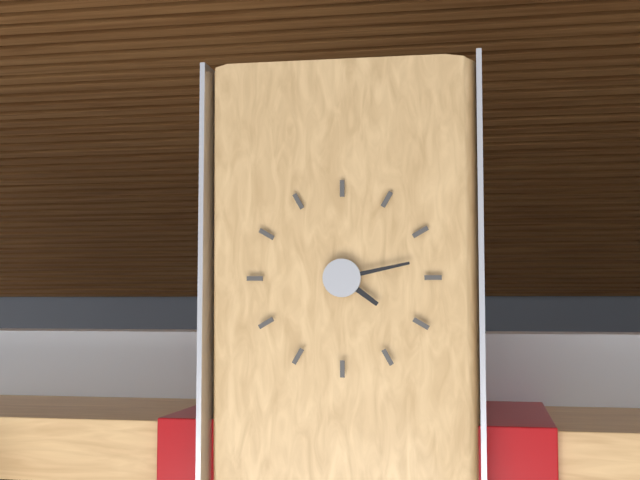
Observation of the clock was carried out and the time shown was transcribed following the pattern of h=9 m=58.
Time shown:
h=4 m=13
